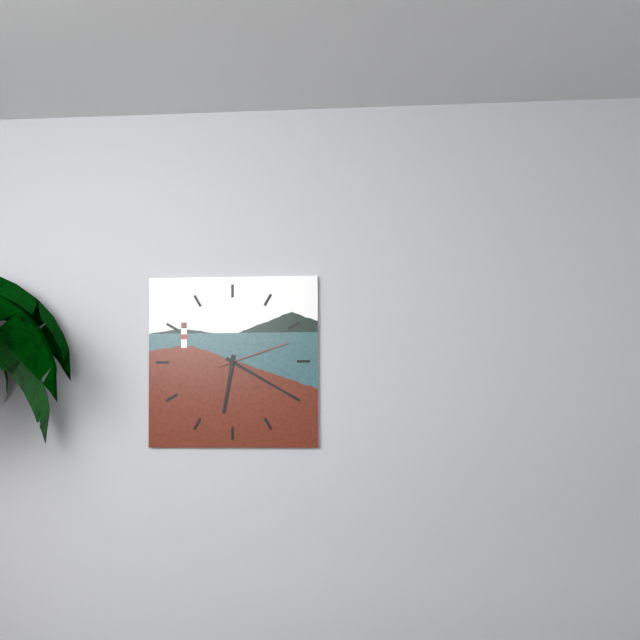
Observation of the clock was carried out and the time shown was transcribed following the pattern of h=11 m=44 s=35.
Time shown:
h=6 m=20 s=12
